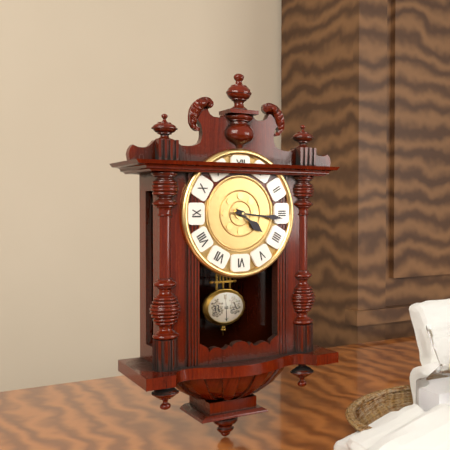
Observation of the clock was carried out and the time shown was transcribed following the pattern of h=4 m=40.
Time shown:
h=4 m=16
